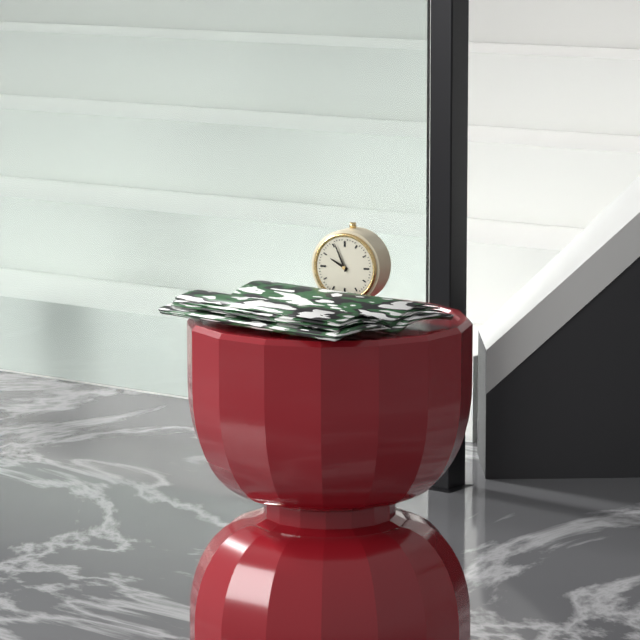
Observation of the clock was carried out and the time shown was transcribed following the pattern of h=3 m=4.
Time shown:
h=9 m=56
